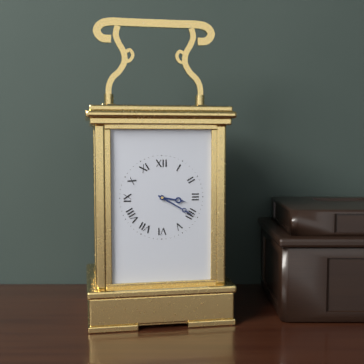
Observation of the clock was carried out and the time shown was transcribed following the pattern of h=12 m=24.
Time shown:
h=3 m=20
